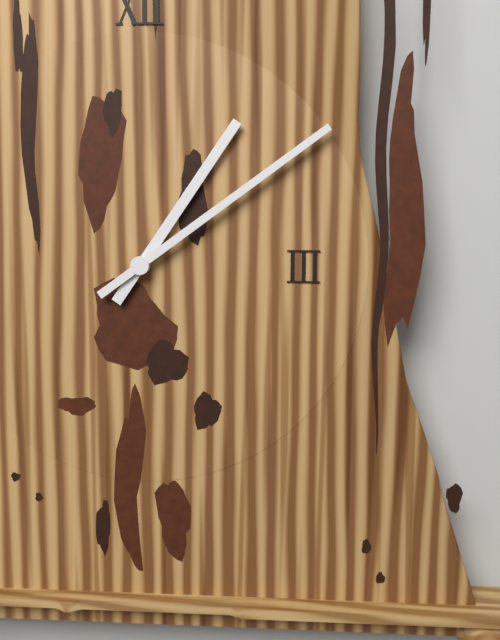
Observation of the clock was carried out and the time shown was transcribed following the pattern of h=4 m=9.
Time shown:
h=1 m=9
